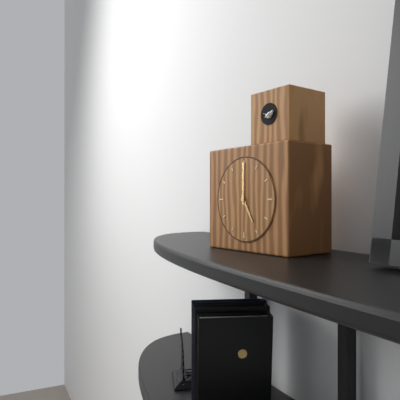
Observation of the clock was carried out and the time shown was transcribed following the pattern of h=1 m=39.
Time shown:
h=5 m=0
